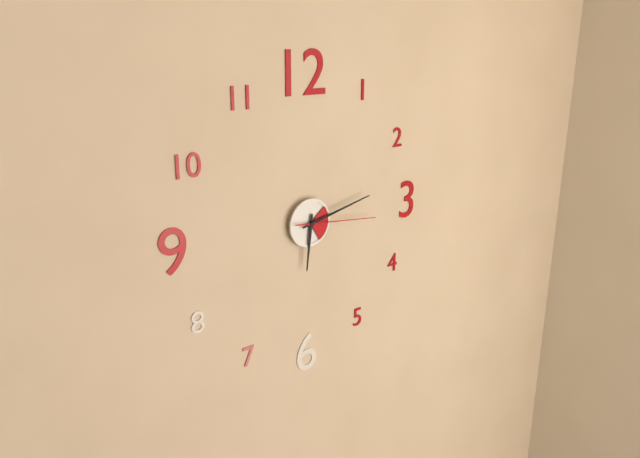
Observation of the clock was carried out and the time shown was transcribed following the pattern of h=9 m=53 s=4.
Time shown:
h=6 m=13 s=16
